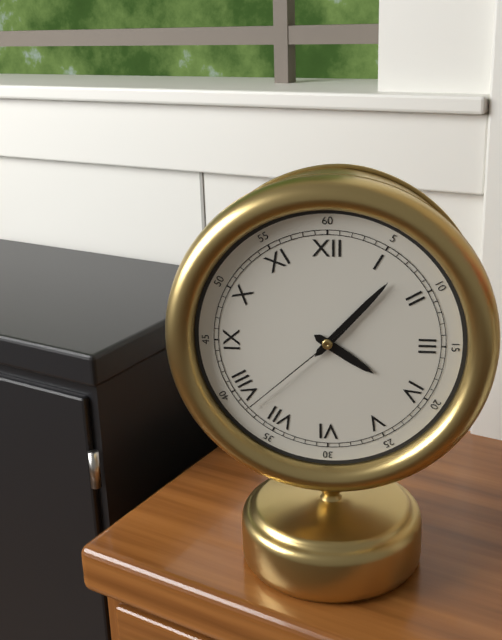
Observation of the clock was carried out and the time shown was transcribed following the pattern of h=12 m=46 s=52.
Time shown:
h=4 m=7 s=38
